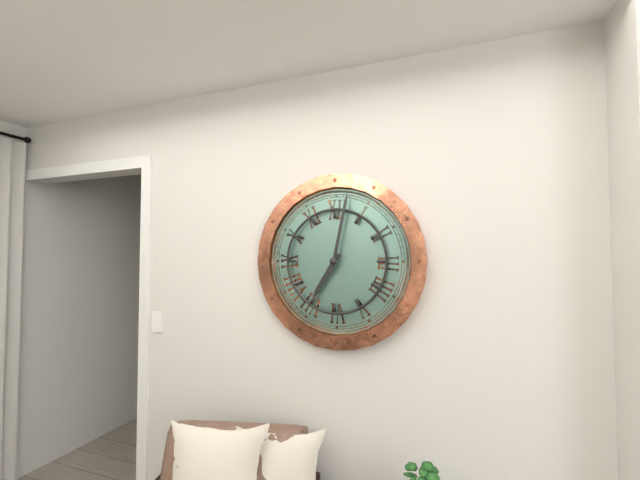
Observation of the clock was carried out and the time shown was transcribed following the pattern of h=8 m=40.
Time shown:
h=7 m=2
